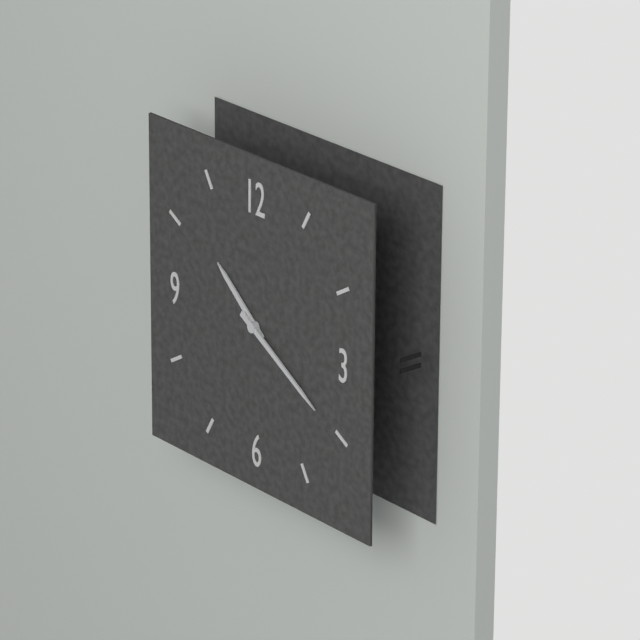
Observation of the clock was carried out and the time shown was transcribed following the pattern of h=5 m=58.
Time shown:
h=10 m=20
